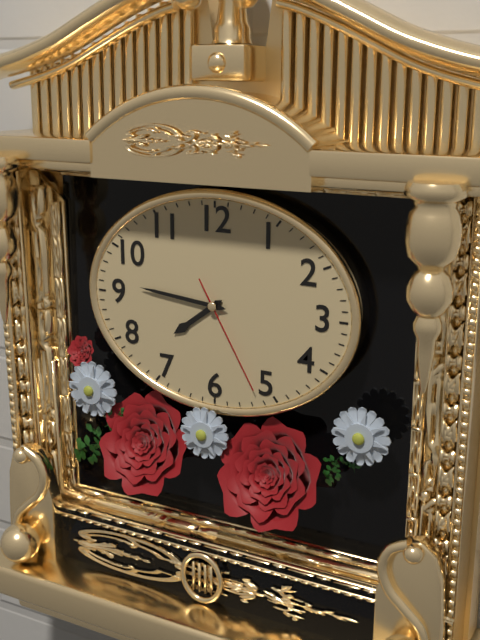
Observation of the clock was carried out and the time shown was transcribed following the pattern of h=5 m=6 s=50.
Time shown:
h=7 m=46 s=25
